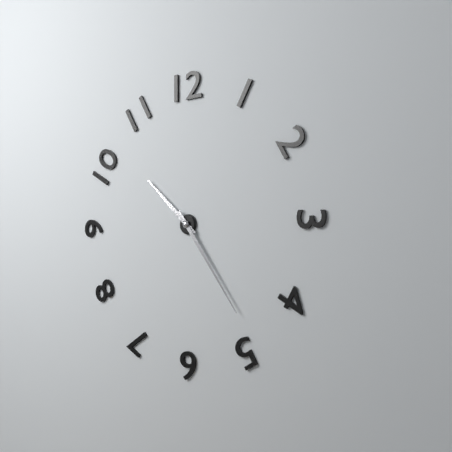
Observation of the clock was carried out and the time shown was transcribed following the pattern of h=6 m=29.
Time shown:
h=10 m=24
